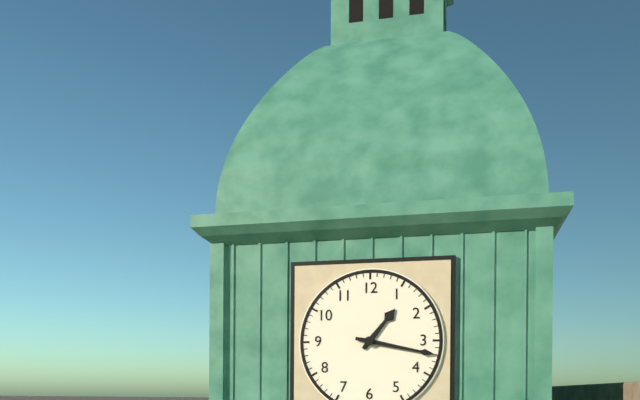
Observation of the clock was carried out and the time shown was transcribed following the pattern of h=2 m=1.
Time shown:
h=1 m=17
